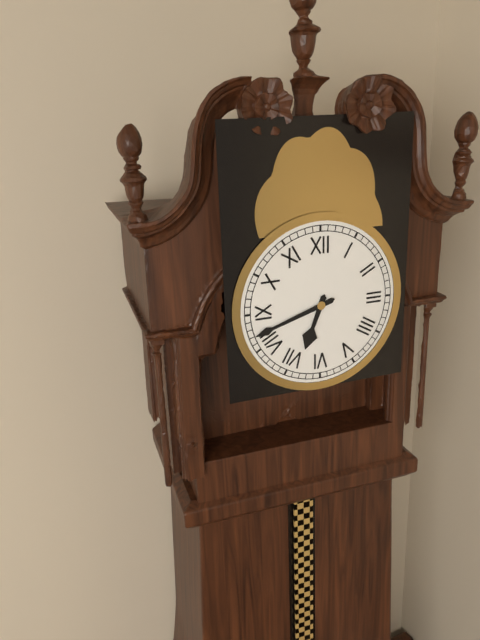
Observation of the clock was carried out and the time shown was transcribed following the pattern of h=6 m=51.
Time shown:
h=6 m=42
